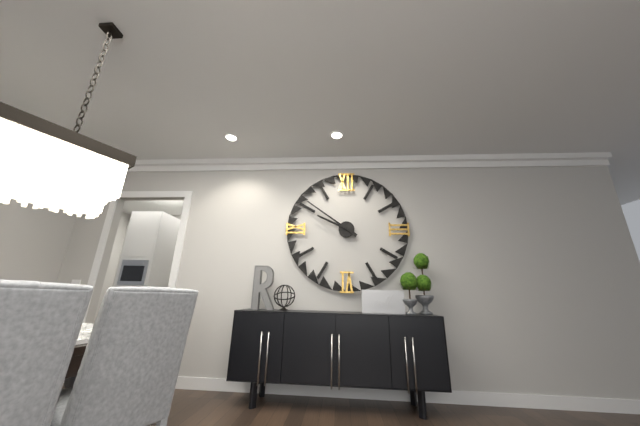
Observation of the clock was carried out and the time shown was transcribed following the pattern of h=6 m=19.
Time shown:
h=9 m=51
